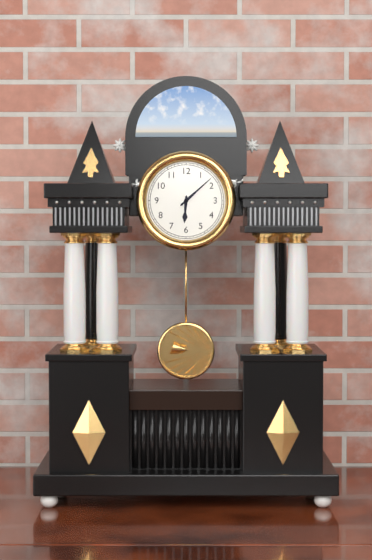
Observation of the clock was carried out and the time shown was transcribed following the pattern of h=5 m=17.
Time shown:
h=6 m=8
